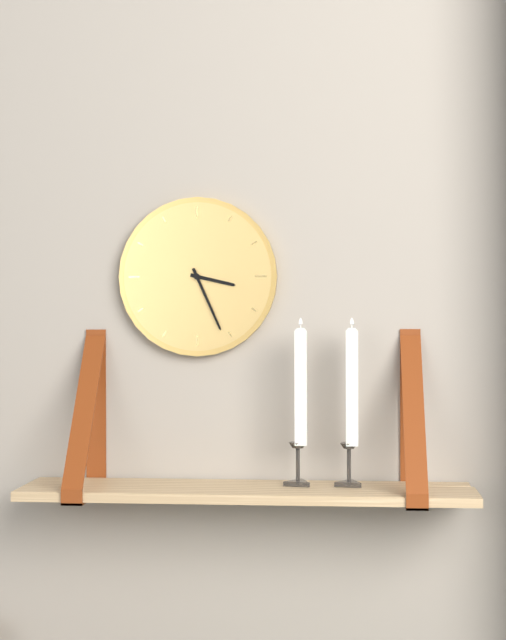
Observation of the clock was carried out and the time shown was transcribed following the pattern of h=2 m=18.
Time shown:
h=3 m=26
